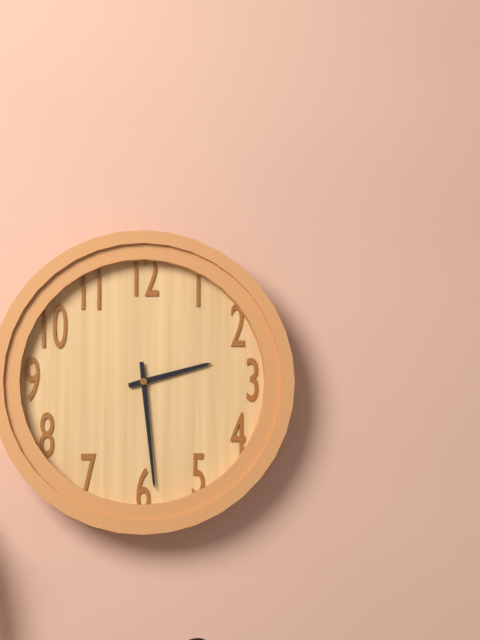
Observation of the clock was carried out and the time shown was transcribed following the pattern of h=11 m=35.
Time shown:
h=2 m=29
